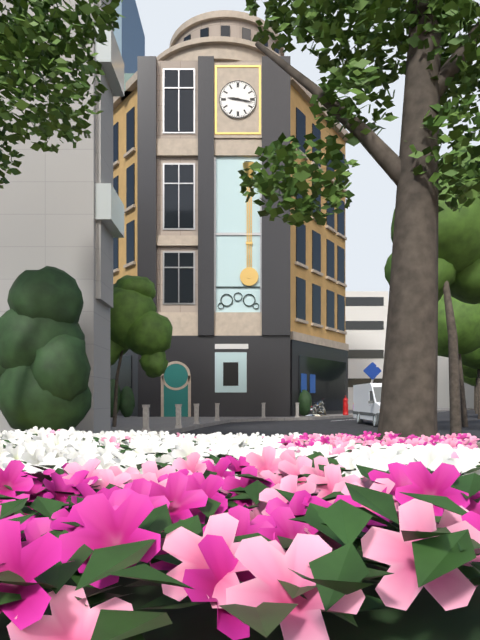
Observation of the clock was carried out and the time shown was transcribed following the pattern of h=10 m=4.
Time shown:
h=9 m=17
